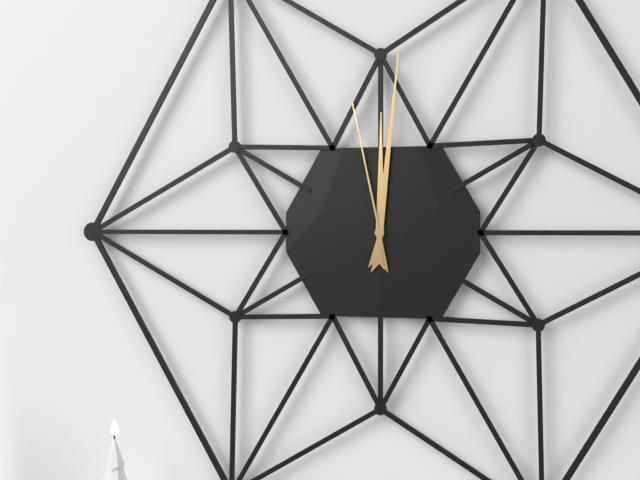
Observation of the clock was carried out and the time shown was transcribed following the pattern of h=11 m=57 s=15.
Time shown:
h=12 m=1 s=58
